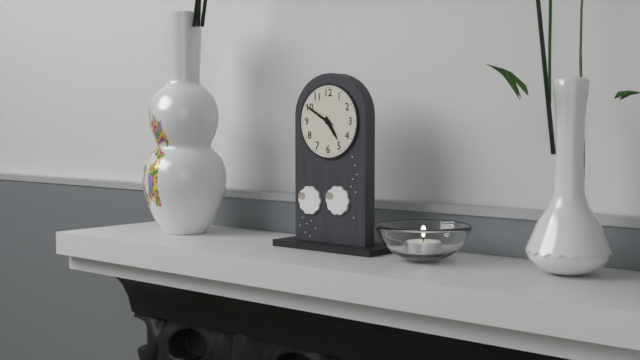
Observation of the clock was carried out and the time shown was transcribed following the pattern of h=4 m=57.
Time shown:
h=4 m=50
